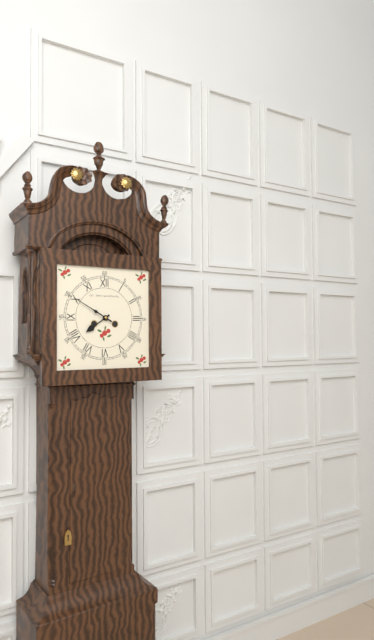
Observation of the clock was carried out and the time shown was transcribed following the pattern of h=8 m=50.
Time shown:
h=7 m=50
